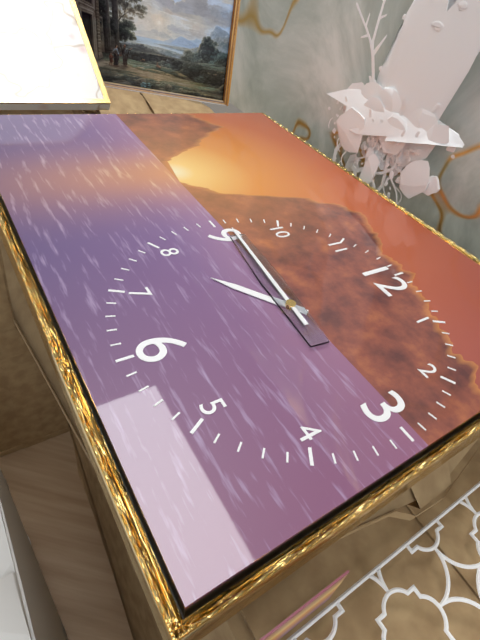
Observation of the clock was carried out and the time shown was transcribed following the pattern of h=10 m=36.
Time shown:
h=7 m=46
